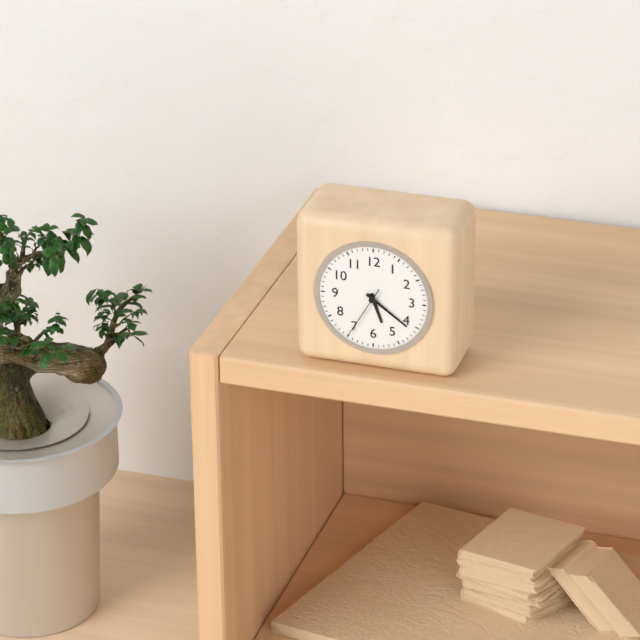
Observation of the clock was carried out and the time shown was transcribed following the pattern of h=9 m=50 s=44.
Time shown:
h=5 m=21 s=35
